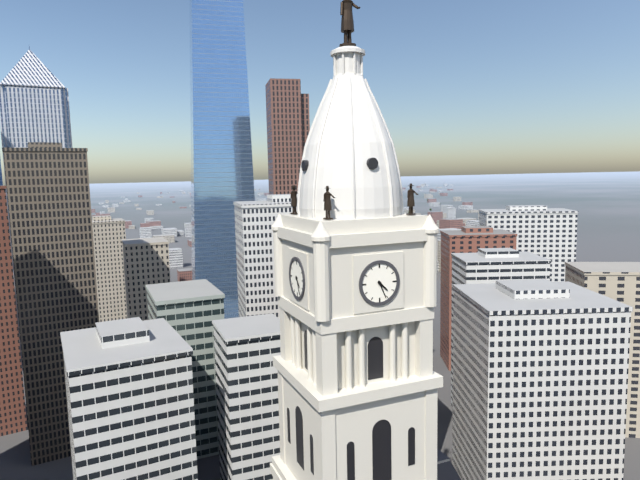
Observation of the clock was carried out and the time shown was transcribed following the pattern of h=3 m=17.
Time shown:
h=4 m=26
